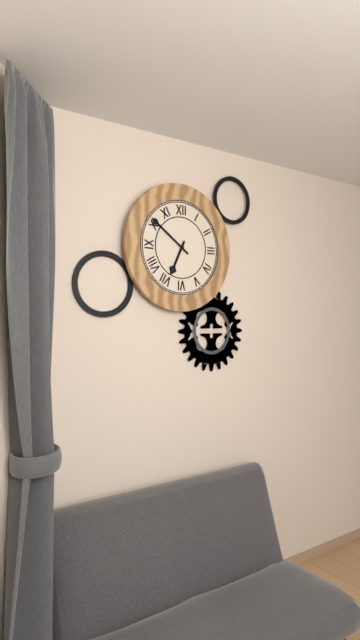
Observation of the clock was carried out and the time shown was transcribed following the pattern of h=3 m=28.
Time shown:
h=6 m=51
